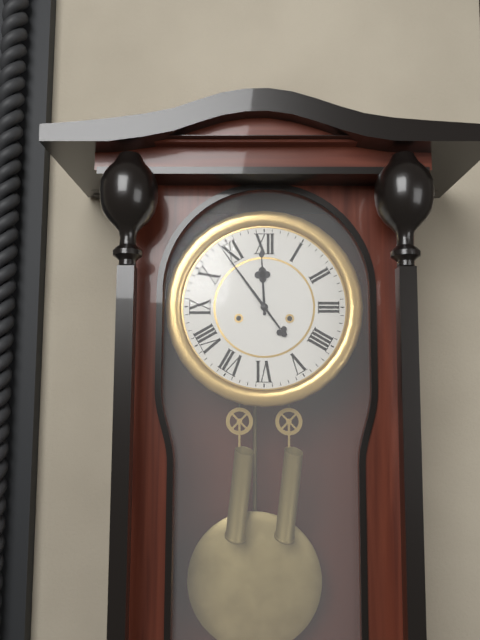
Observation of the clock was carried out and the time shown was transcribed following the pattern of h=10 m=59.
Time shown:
h=11 m=54
